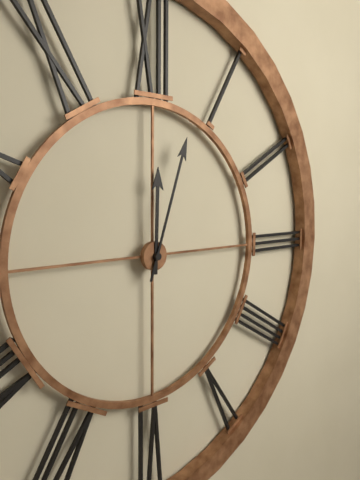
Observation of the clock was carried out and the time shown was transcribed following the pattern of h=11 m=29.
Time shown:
h=12 m=3
